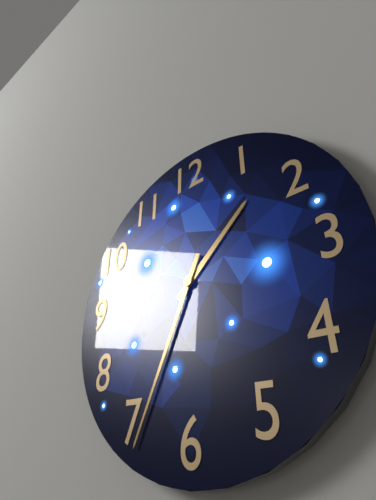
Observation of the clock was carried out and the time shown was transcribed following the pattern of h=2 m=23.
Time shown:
h=1 m=34
